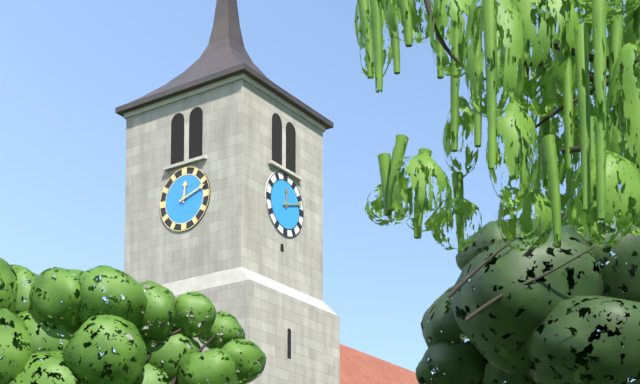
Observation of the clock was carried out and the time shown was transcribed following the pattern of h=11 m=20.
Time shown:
h=12 m=12
